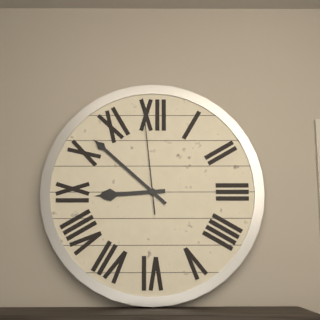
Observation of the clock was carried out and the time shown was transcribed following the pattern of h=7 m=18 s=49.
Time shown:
h=8 m=52 s=59
